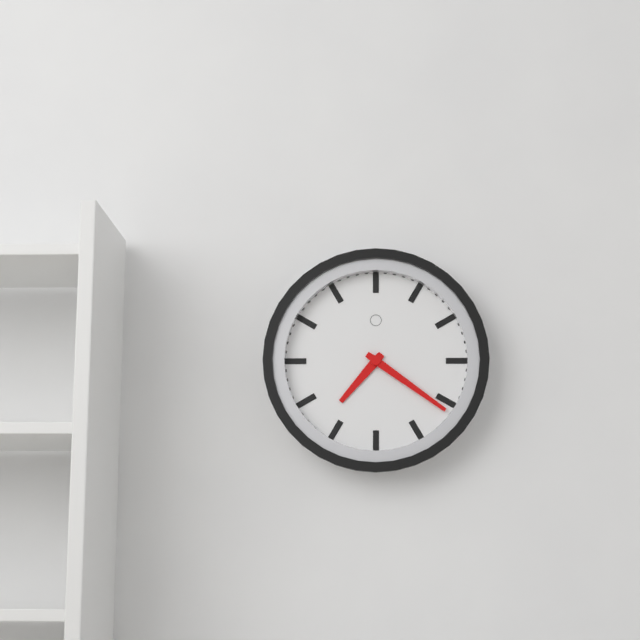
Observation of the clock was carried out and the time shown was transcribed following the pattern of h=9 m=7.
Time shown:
h=7 m=21
